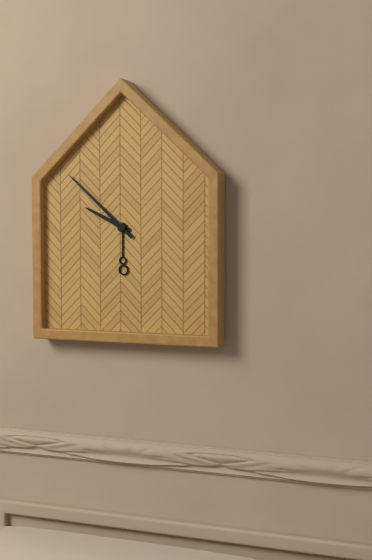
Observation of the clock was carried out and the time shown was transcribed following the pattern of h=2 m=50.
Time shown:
h=9 m=52
